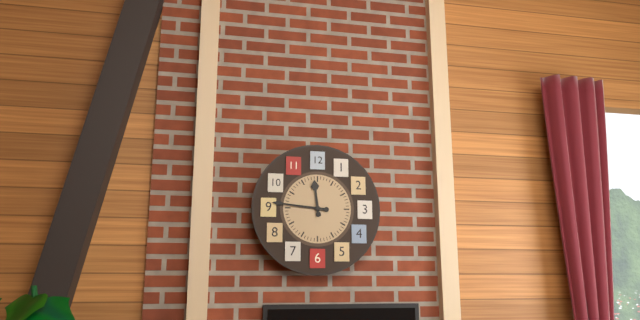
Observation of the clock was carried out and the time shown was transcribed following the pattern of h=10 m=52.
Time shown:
h=11 m=46
